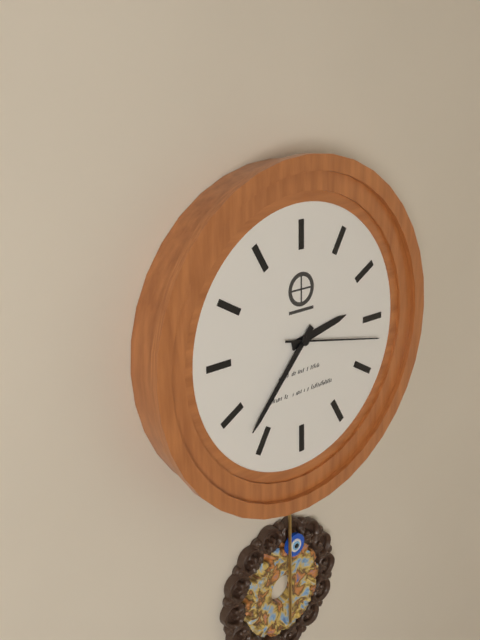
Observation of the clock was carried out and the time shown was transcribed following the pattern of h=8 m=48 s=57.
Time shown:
h=2 m=37 s=17
